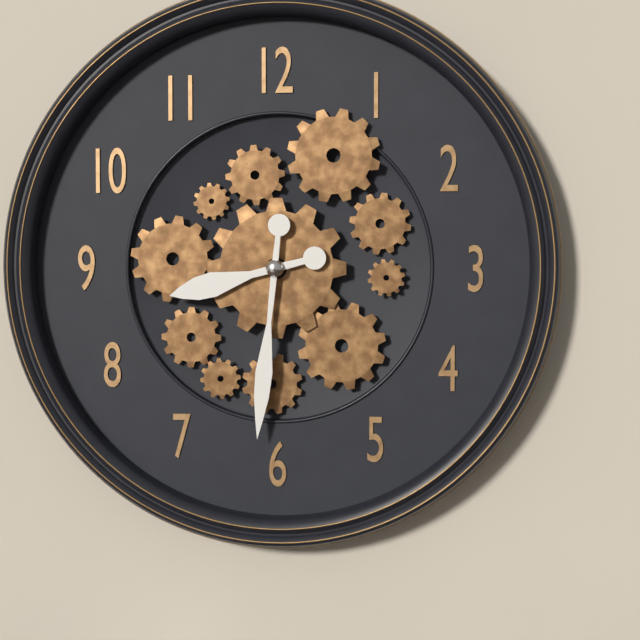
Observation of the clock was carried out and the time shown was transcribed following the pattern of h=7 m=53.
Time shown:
h=8 m=31
